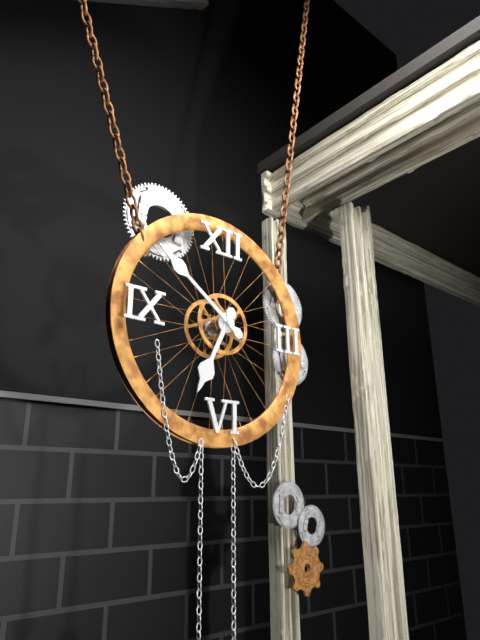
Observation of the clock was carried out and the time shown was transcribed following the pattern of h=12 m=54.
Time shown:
h=6 m=51
